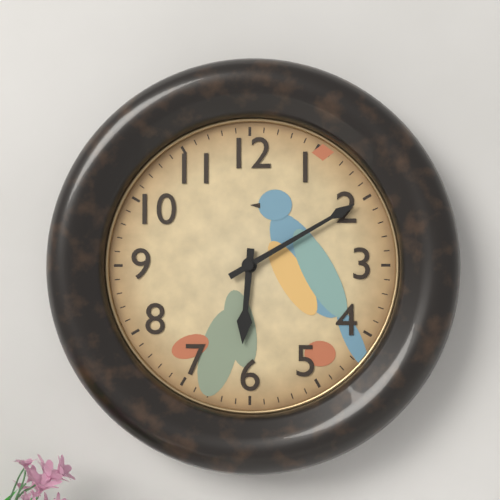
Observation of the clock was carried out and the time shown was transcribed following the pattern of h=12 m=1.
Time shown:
h=6 m=10
